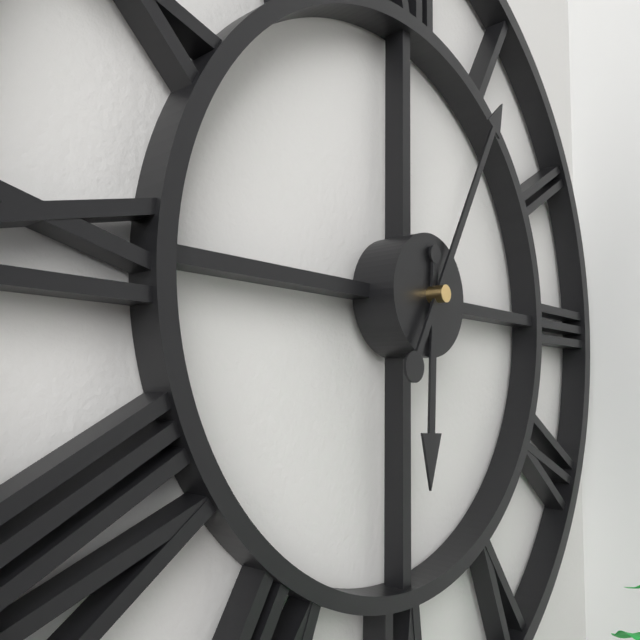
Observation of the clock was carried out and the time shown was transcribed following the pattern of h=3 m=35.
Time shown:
h=6 m=5
